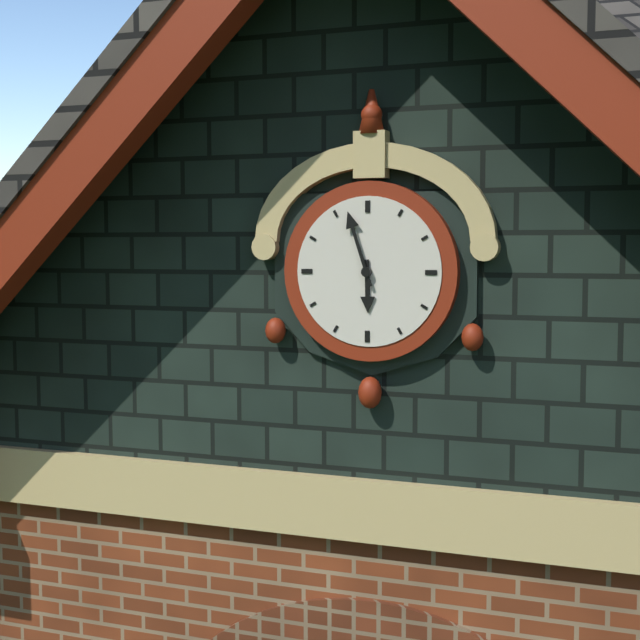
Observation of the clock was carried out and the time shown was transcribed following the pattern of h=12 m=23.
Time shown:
h=5 m=57
